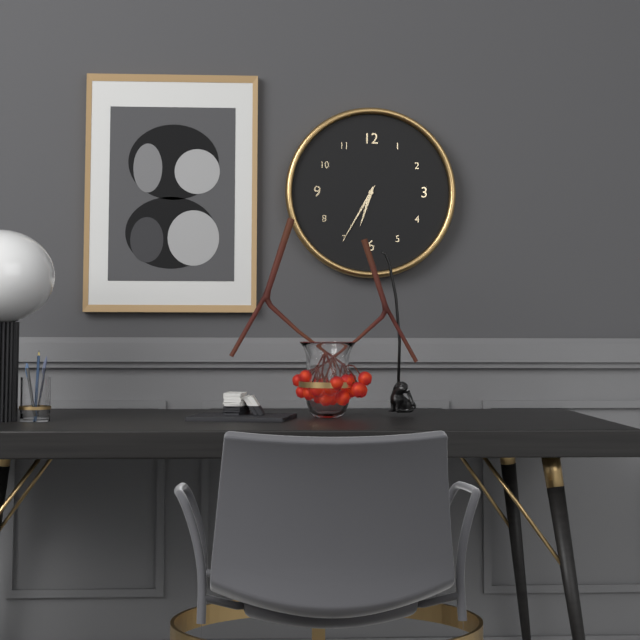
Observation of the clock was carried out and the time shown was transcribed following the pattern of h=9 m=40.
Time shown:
h=6 m=35
